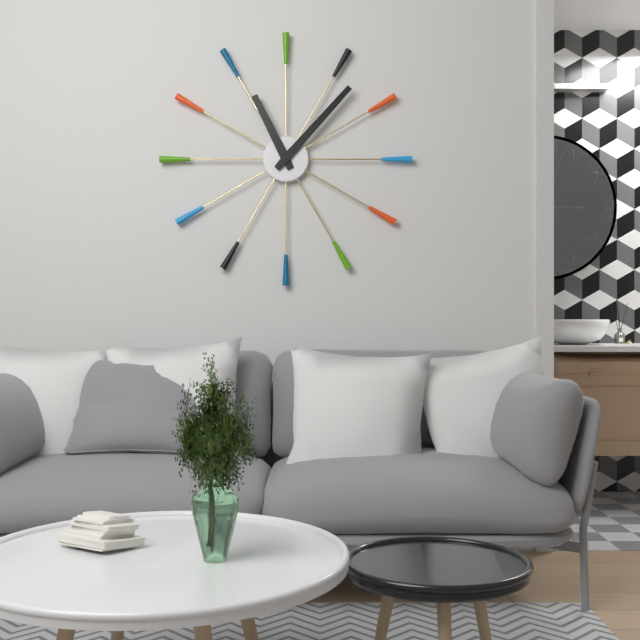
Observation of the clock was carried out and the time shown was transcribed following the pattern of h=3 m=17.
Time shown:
h=11 m=7
